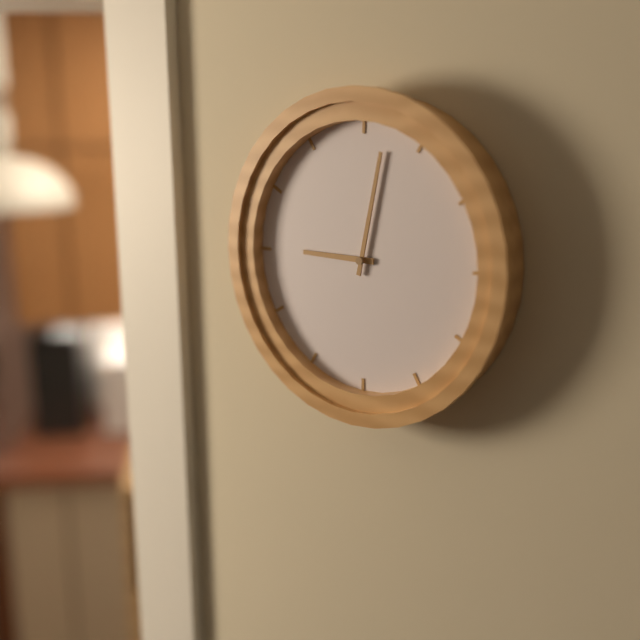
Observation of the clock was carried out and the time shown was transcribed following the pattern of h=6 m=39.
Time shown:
h=9 m=2
